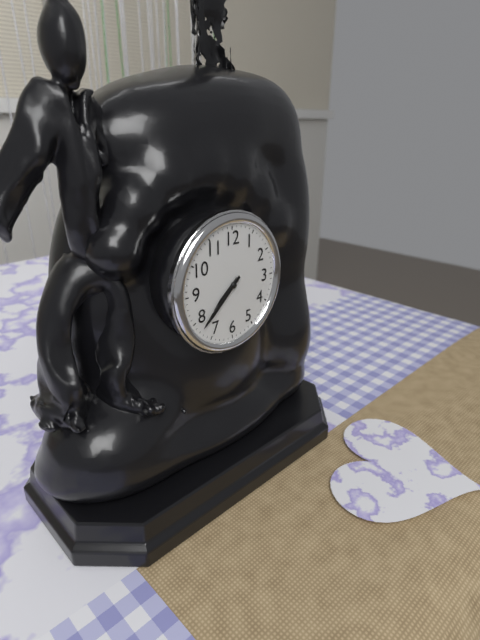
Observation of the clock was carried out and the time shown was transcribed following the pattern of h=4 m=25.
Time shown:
h=7 m=38
